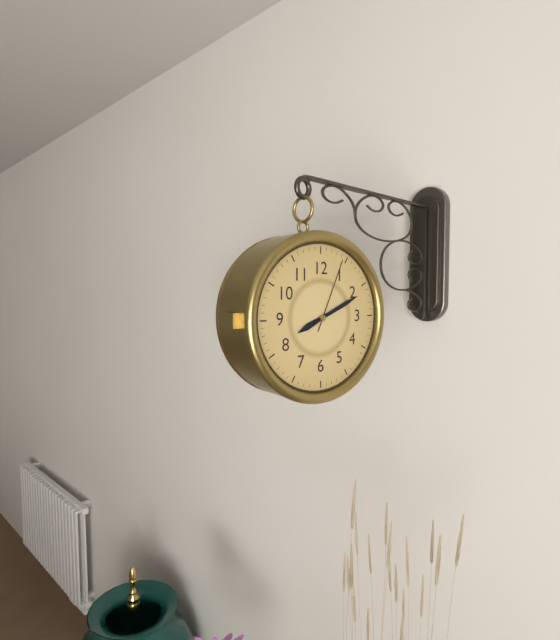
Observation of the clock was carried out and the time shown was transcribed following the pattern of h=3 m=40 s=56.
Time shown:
h=8 m=11 s=4
